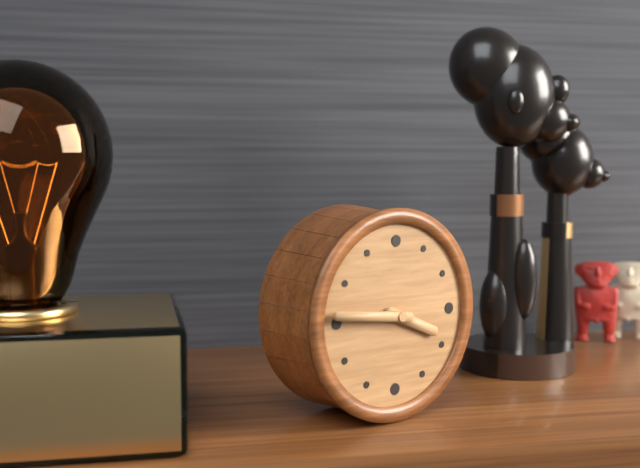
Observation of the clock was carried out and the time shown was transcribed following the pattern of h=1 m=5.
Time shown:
h=3 m=46
